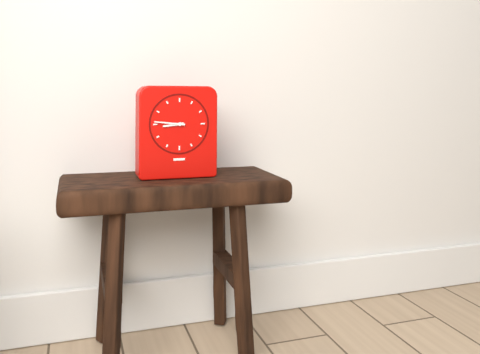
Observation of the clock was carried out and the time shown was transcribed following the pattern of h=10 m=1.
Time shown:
h=8 m=46
